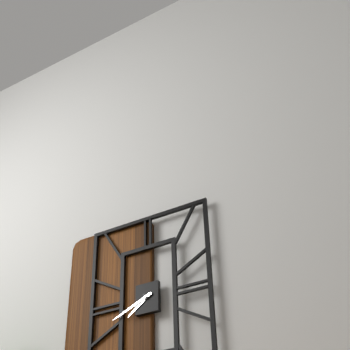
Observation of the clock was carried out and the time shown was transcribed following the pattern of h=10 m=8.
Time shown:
h=7 m=41
